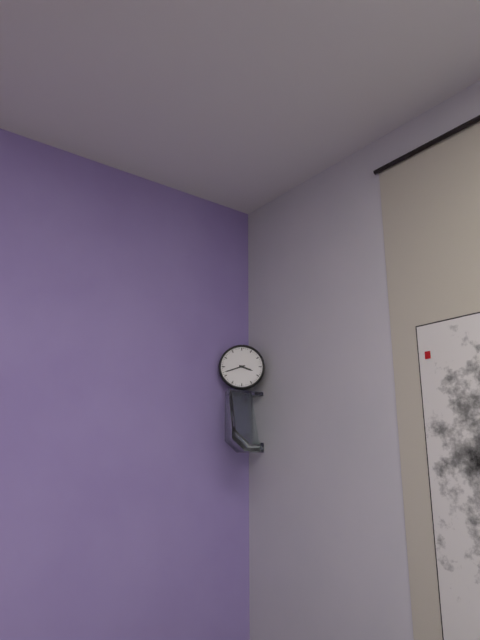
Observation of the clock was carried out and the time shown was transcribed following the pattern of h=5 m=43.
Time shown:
h=3 m=42
